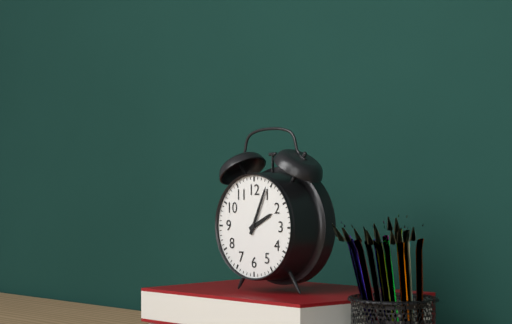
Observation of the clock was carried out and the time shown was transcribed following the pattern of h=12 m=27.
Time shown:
h=2 m=4
